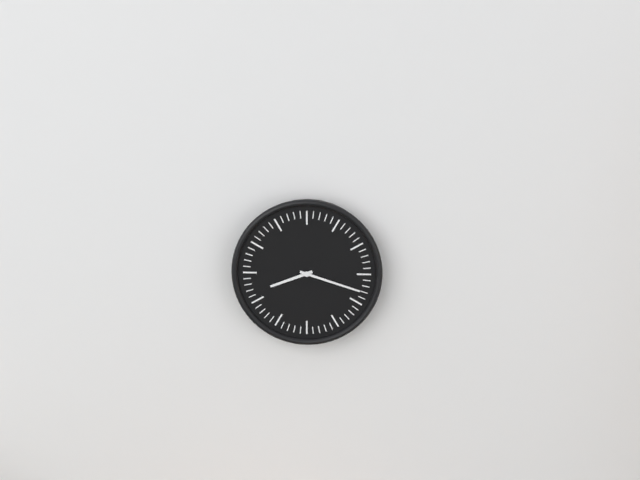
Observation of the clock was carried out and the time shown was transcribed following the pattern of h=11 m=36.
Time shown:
h=8 m=18
